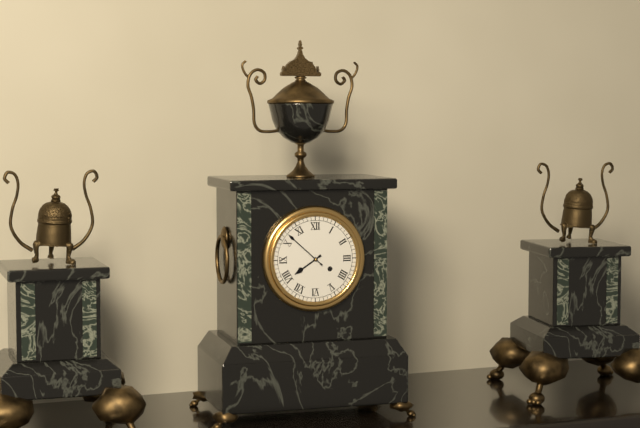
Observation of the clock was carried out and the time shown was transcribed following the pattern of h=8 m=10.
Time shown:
h=7 m=52
